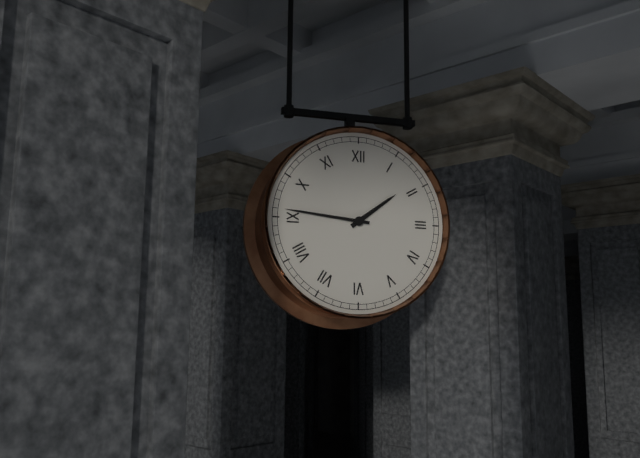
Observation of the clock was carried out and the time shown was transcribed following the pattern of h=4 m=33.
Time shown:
h=1 m=46
